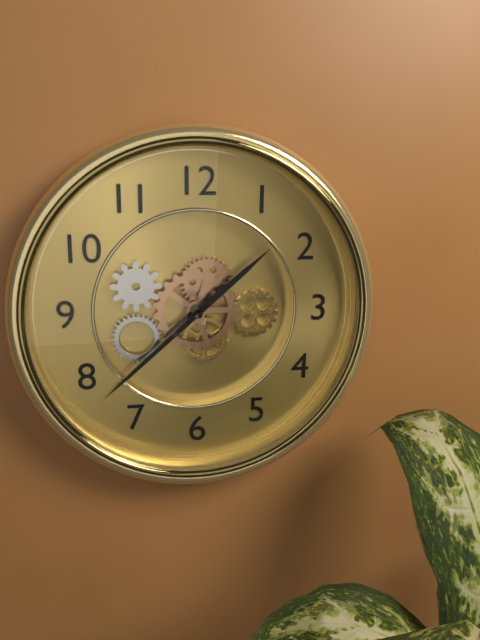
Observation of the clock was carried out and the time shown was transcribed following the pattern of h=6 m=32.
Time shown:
h=1 m=38
